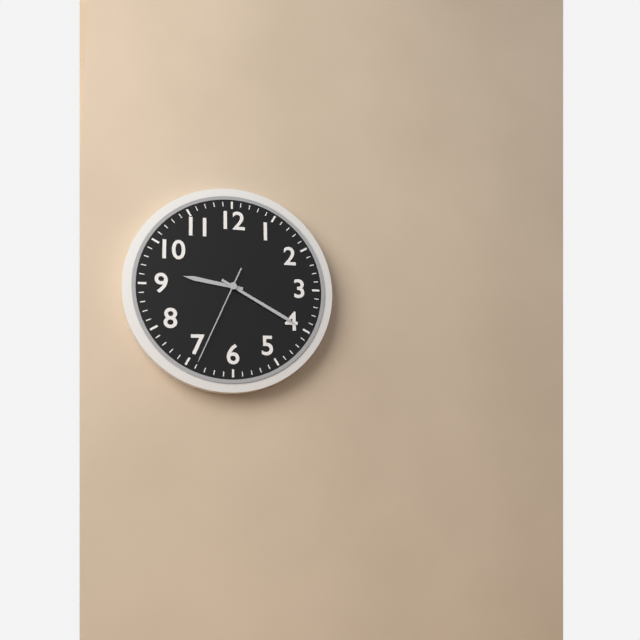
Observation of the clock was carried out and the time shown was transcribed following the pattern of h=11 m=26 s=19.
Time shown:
h=9 m=20 s=34
